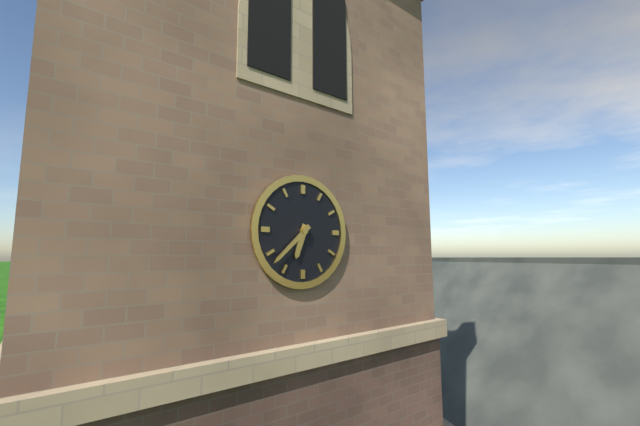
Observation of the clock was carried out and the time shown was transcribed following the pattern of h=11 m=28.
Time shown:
h=6 m=38
